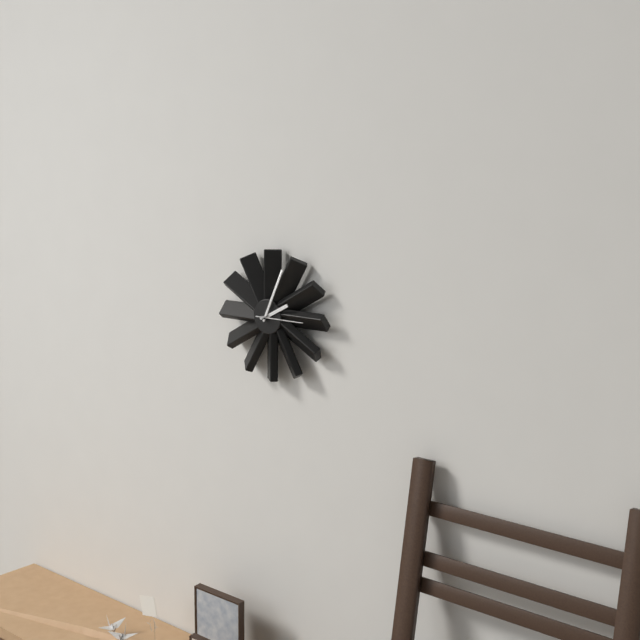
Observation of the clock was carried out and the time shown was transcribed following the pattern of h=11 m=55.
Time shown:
h=2 m=4
